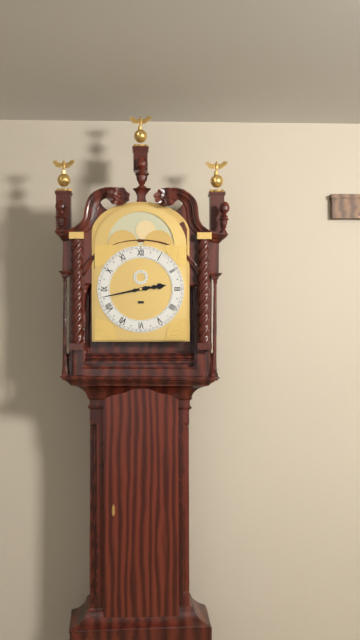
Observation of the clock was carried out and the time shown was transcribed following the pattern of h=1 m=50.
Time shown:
h=2 m=43
